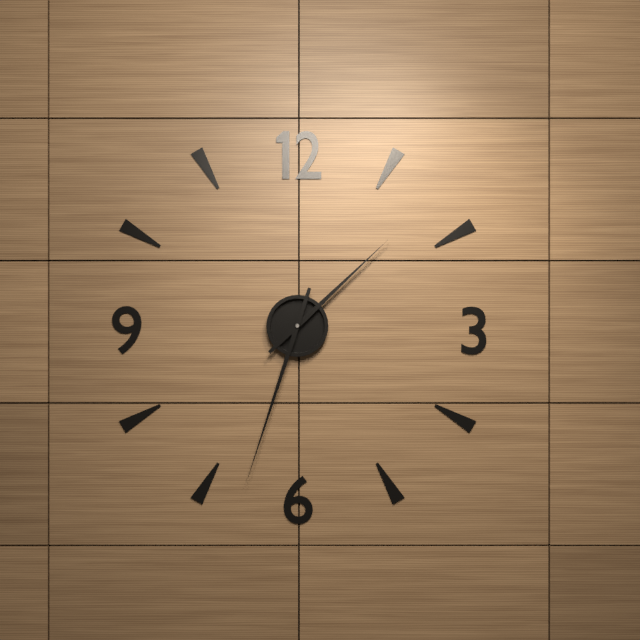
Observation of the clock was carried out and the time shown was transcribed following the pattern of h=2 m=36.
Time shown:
h=1 m=33
